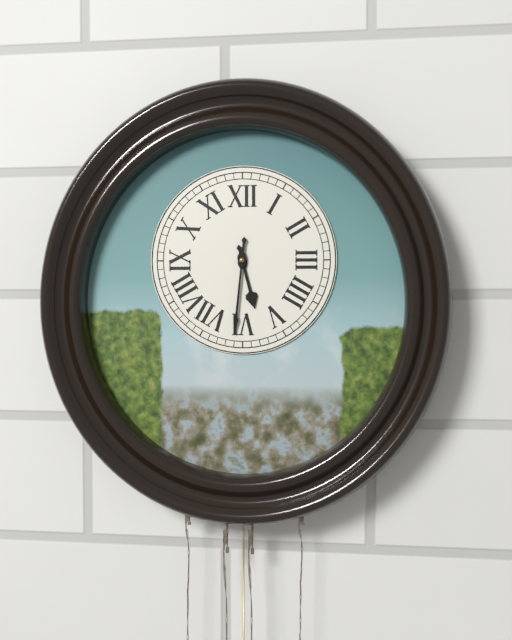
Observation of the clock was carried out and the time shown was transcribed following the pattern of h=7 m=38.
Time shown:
h=5 m=31
